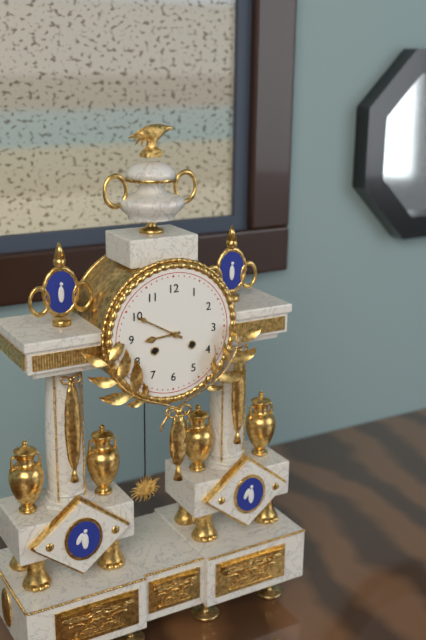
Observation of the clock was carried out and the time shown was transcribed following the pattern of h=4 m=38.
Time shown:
h=8 m=50
